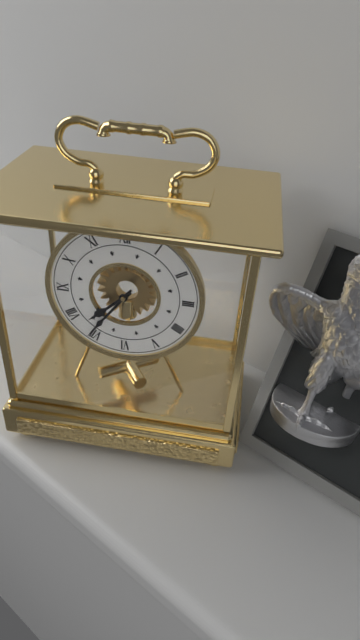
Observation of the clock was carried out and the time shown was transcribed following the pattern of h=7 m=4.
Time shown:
h=7 m=36
